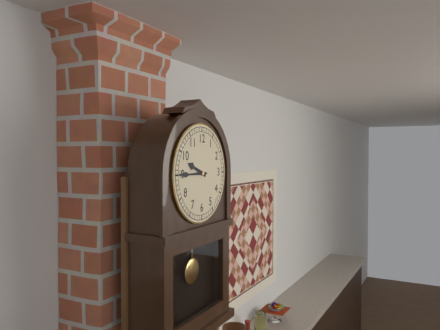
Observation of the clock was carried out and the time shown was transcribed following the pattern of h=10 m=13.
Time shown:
h=9 m=45
